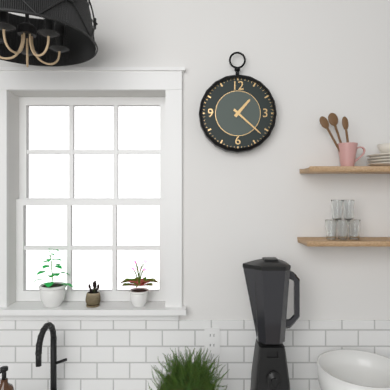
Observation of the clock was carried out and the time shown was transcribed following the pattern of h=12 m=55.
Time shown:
h=1 m=22
